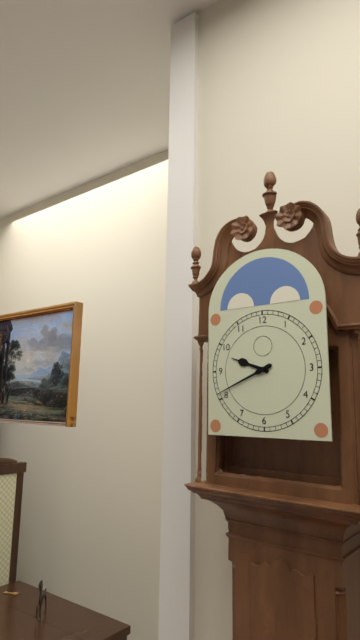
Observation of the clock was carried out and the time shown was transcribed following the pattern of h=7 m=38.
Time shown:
h=9 m=41
